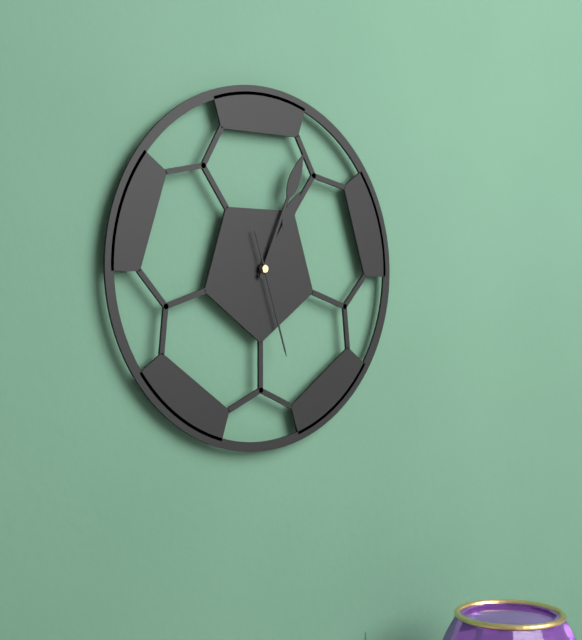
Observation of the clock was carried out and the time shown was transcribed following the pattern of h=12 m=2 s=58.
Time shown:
h=1 m=4 s=27
